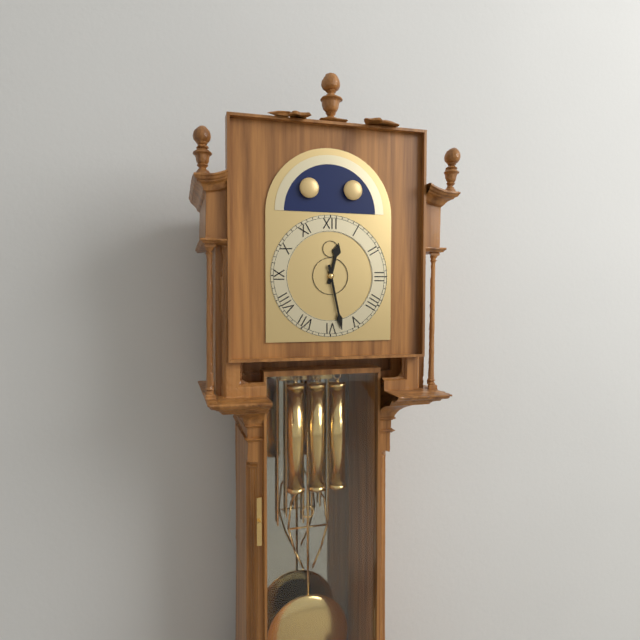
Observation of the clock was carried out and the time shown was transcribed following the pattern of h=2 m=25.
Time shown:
h=12 m=28
